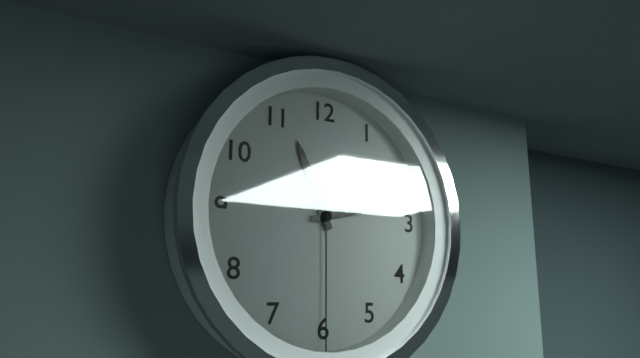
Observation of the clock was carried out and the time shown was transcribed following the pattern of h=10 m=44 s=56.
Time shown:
h=11 m=13 s=30
